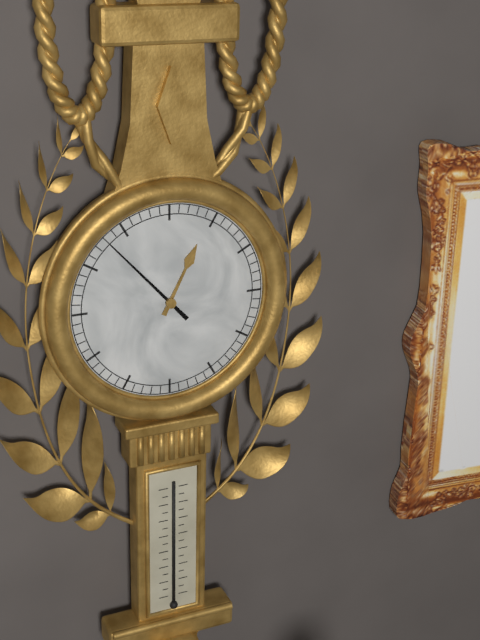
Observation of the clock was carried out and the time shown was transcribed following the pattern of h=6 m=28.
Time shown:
h=12 m=53
